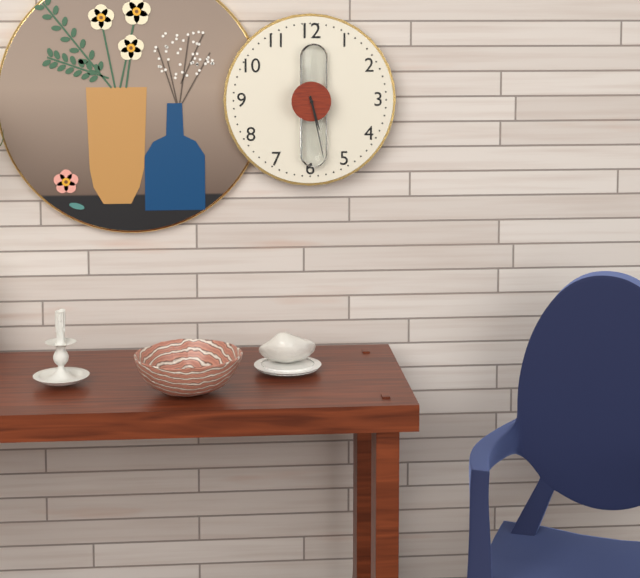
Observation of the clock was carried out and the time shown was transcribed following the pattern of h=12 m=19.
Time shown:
h=5 m=28
